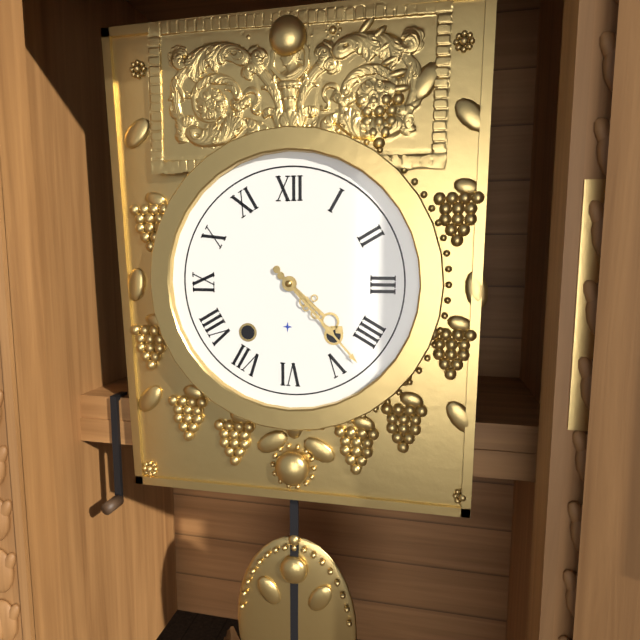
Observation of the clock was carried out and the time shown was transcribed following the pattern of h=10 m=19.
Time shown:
h=4 m=23
